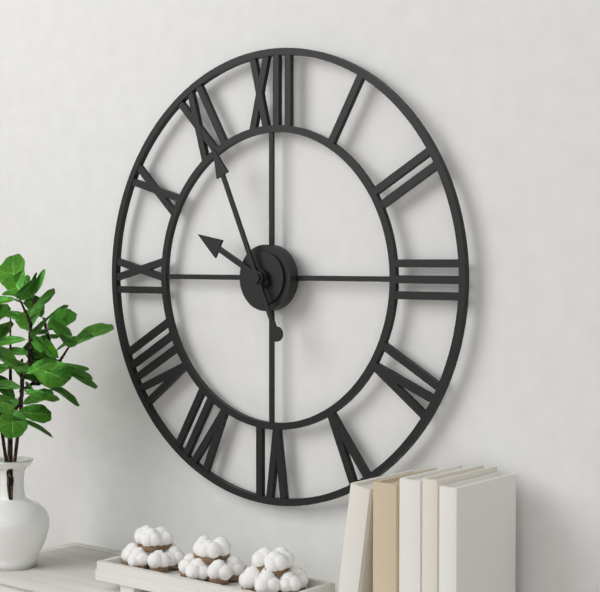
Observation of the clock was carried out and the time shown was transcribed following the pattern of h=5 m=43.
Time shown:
h=9 m=56
